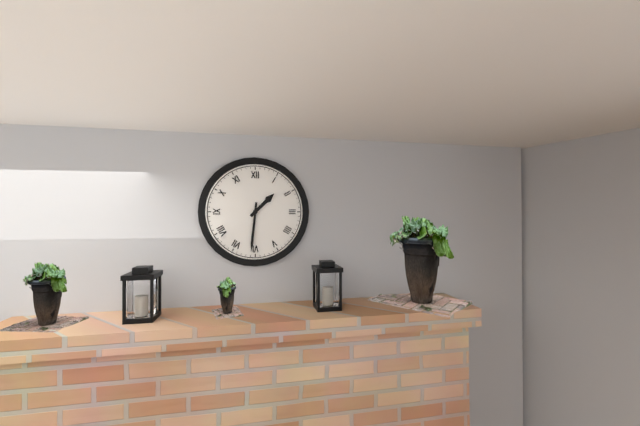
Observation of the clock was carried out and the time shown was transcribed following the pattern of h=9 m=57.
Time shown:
h=1 m=31
